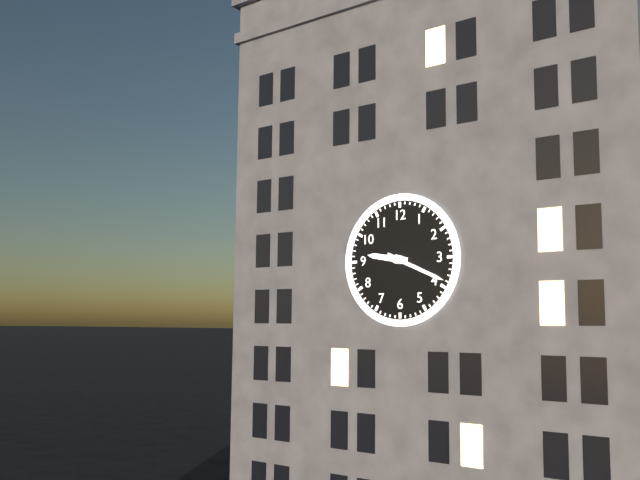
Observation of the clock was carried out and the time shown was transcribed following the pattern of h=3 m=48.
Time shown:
h=9 m=19
